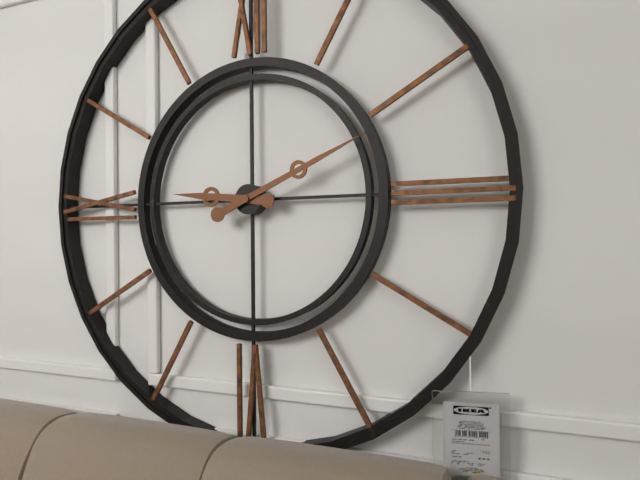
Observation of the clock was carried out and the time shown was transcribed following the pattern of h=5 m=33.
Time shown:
h=9 m=11
